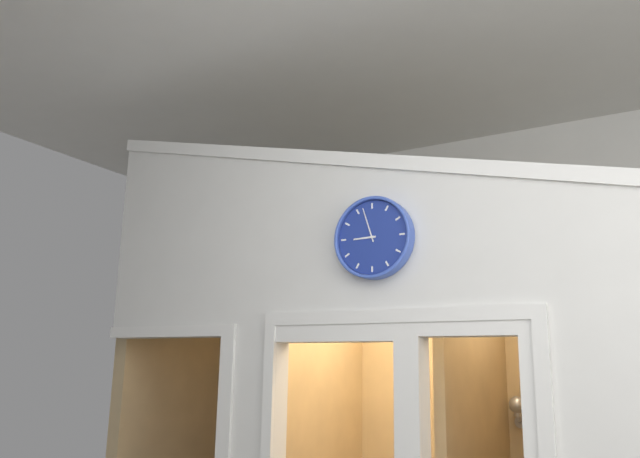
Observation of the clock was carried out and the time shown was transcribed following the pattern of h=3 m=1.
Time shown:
h=8 m=57
